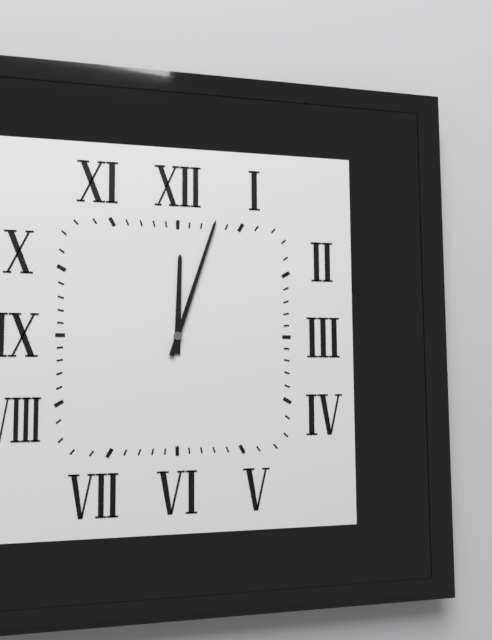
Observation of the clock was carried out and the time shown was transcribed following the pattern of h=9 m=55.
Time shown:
h=12 m=3
